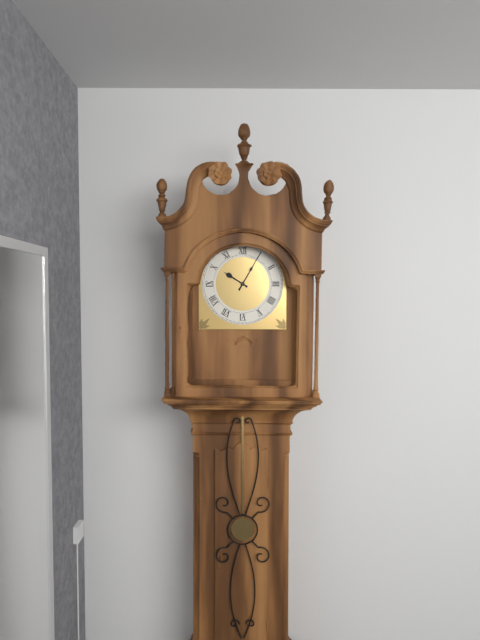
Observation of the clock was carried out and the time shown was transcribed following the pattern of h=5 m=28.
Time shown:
h=10 m=5
